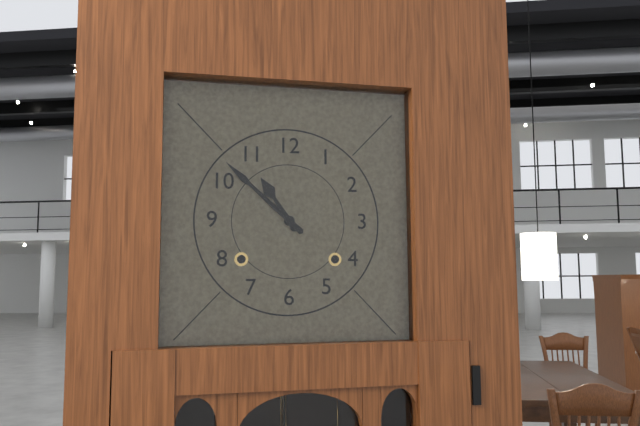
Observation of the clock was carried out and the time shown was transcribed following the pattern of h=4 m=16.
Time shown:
h=10 m=52
